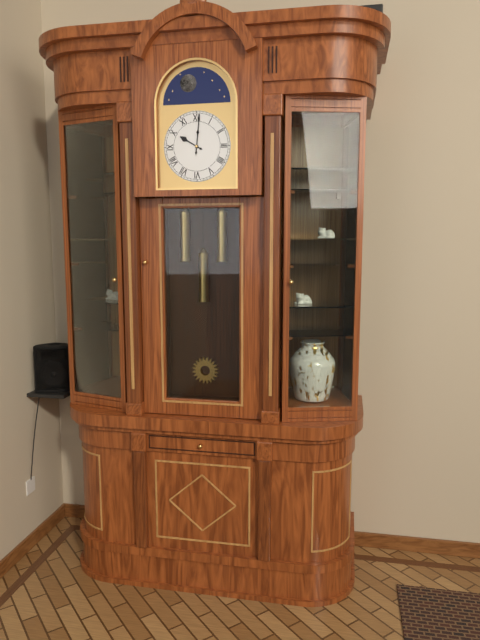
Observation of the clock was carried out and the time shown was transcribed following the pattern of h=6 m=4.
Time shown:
h=10 m=1
